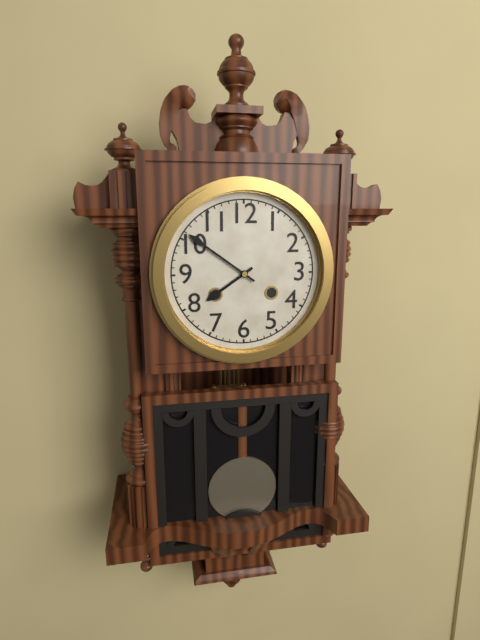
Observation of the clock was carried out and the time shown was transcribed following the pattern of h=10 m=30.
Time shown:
h=7 m=51
